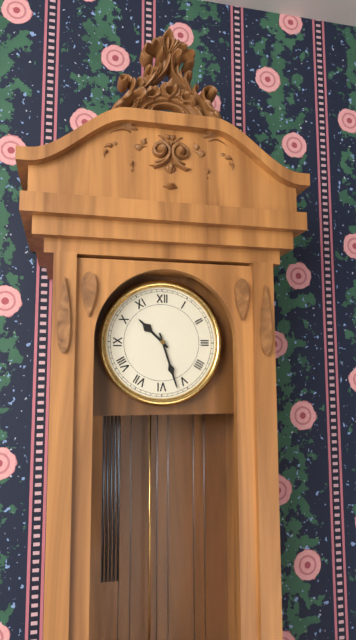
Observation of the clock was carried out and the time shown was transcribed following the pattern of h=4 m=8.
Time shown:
h=10 m=27
